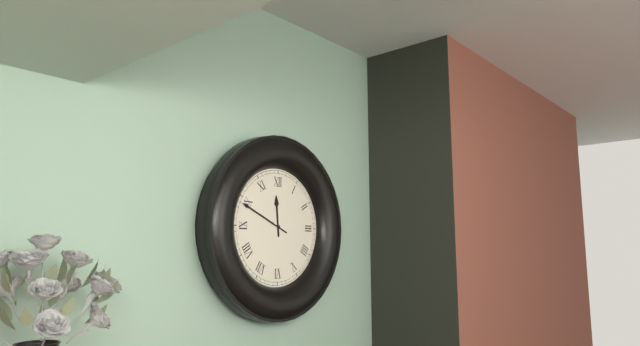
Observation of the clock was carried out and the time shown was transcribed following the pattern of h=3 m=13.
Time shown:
h=11 m=49
